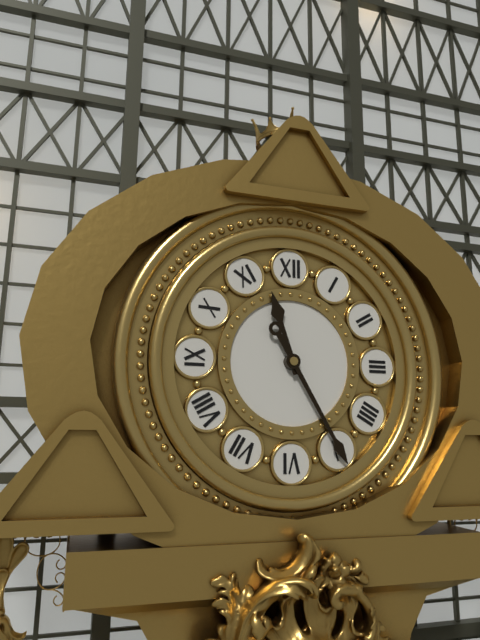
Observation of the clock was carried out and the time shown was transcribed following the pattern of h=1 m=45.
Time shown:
h=11 m=25
